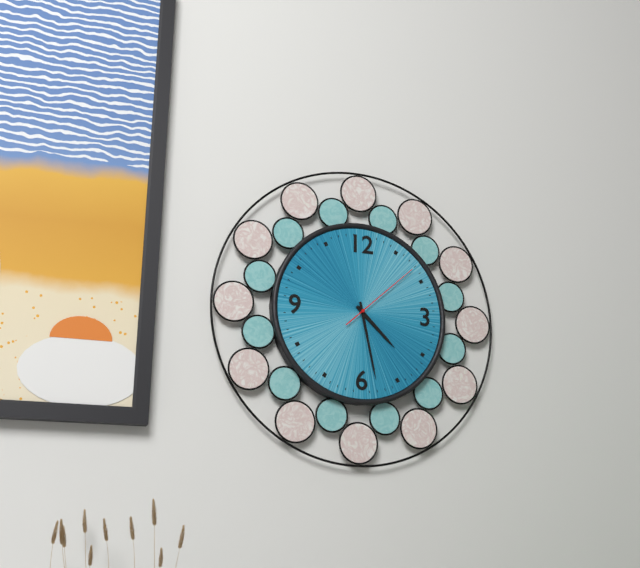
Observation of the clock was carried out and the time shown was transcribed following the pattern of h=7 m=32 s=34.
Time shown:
h=4 m=28 s=8
